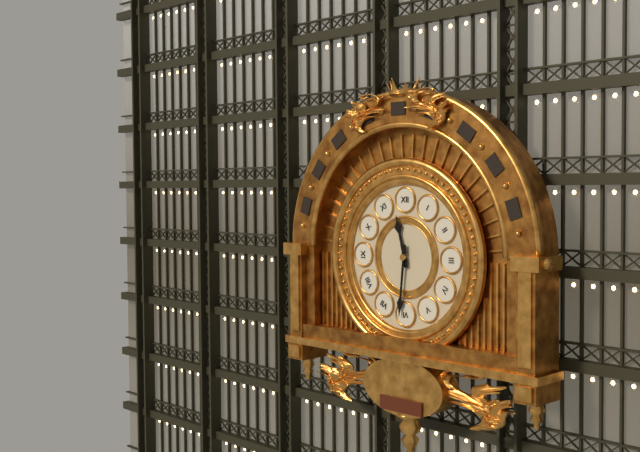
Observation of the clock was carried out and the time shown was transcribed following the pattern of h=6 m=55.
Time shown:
h=11 m=31
